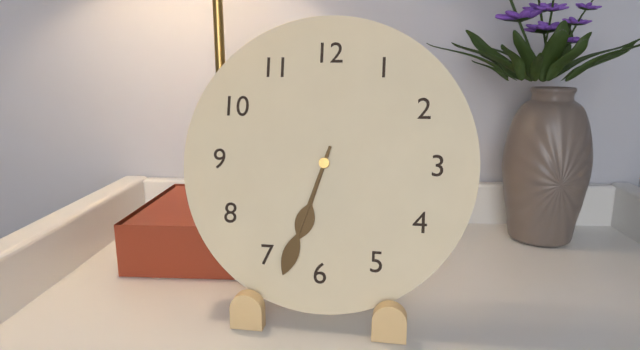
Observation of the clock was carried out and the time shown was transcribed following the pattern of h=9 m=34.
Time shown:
h=6 m=33
